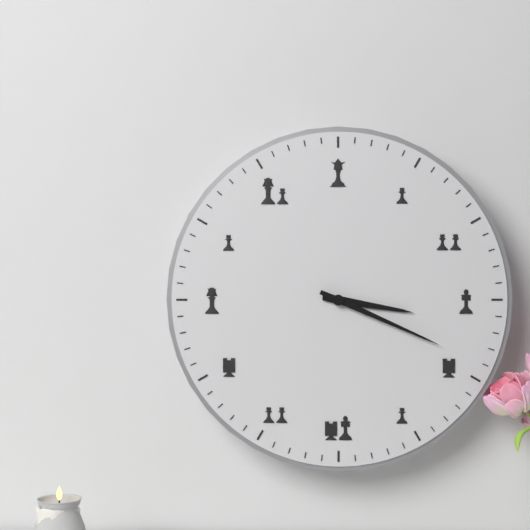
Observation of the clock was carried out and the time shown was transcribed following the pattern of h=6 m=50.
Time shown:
h=3 m=19
